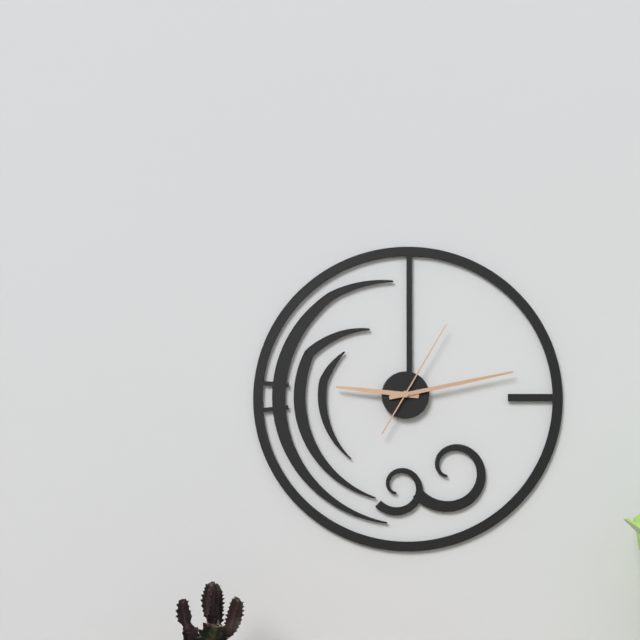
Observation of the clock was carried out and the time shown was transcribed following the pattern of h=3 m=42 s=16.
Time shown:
h=9 m=13 s=5
